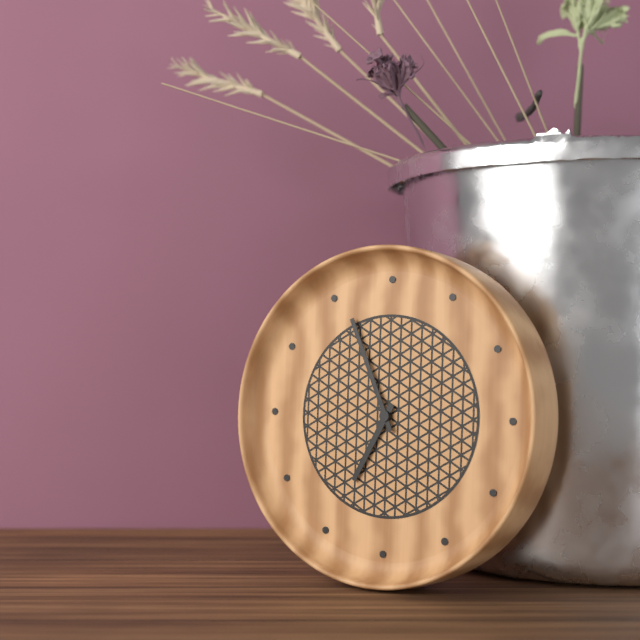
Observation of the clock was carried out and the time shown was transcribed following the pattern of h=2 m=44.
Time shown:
h=6 m=56
